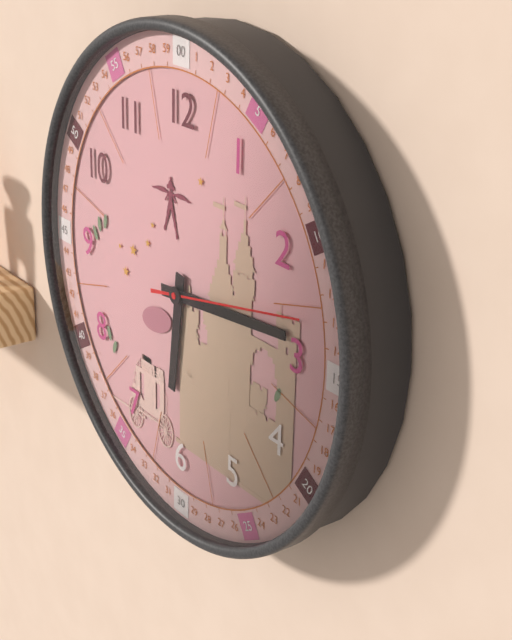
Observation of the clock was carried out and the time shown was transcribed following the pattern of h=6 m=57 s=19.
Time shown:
h=6 m=14 s=13
